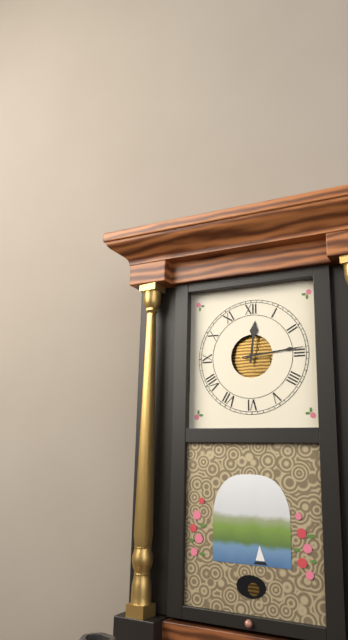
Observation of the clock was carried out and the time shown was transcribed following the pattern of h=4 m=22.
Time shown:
h=12 m=14
